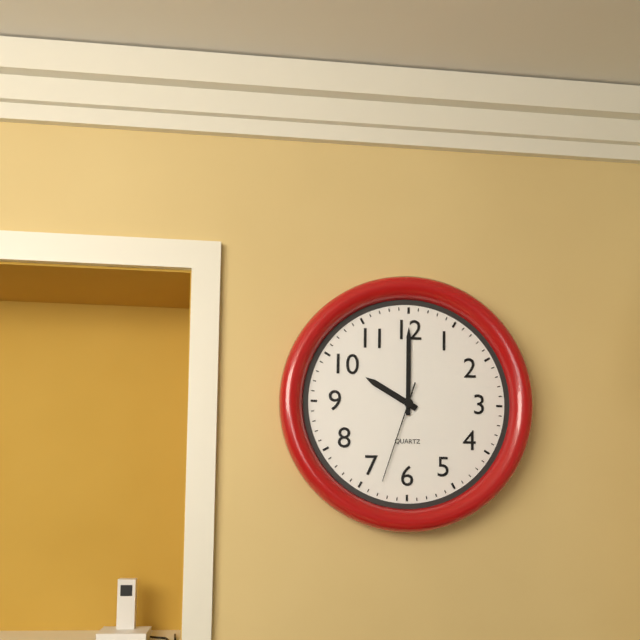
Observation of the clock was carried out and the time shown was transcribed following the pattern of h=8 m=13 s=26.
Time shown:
h=10 m=0 s=33
